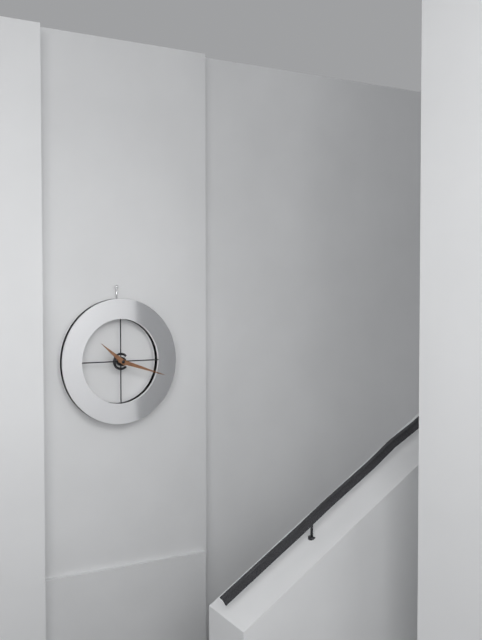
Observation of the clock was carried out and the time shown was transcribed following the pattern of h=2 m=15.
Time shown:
h=10 m=18
